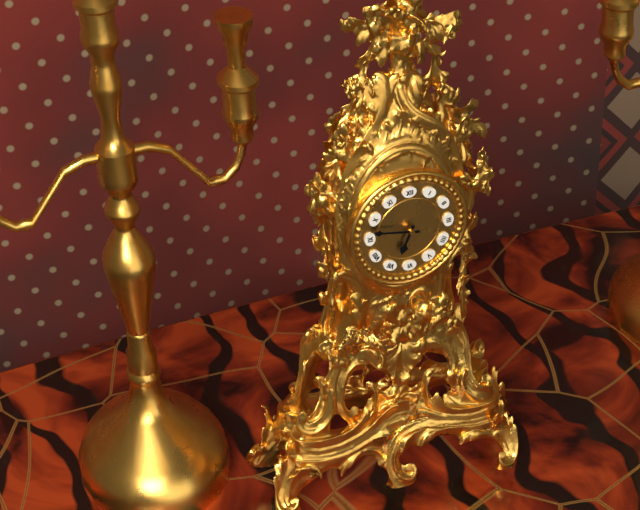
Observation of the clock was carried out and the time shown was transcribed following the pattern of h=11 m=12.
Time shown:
h=6 m=47
